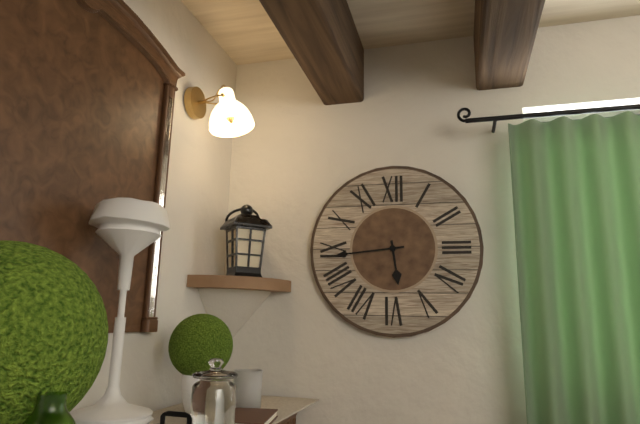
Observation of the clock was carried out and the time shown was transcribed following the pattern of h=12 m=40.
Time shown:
h=5 m=44
